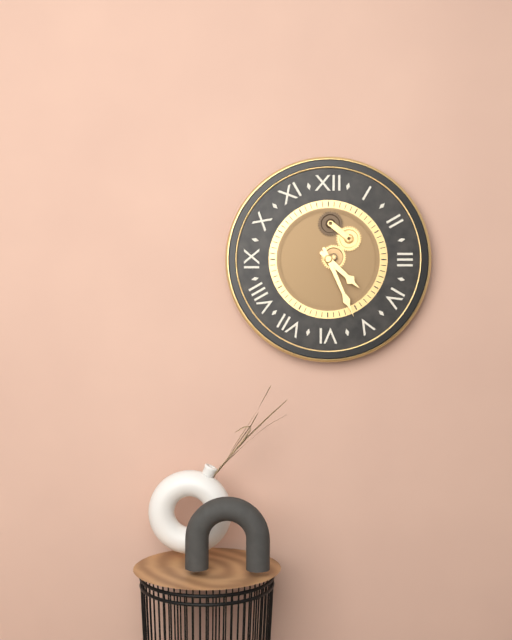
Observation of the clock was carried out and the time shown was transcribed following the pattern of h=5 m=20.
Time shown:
h=4 m=26
